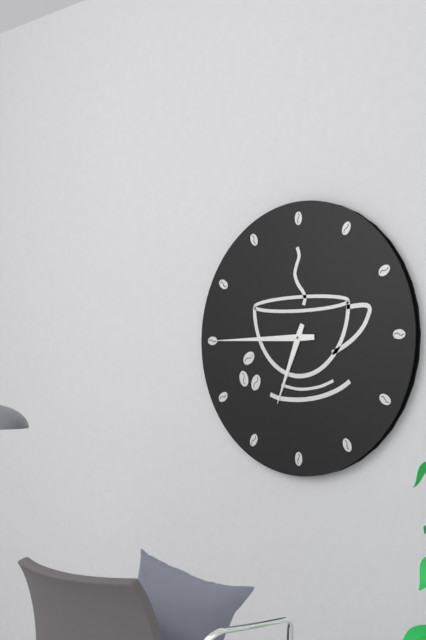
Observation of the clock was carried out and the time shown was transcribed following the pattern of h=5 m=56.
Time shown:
h=6 m=45
